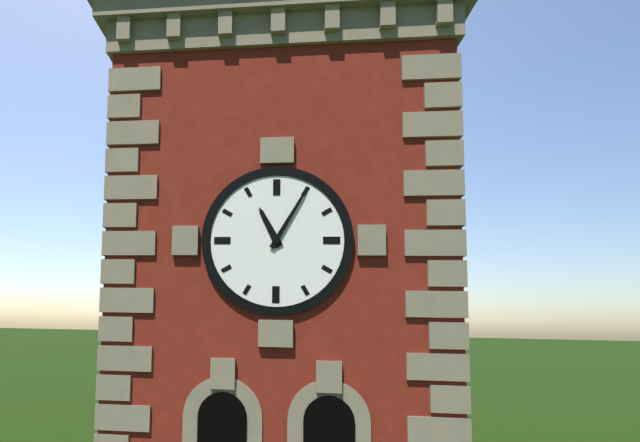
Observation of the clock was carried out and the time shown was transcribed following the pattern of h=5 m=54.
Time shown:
h=11 m=5
